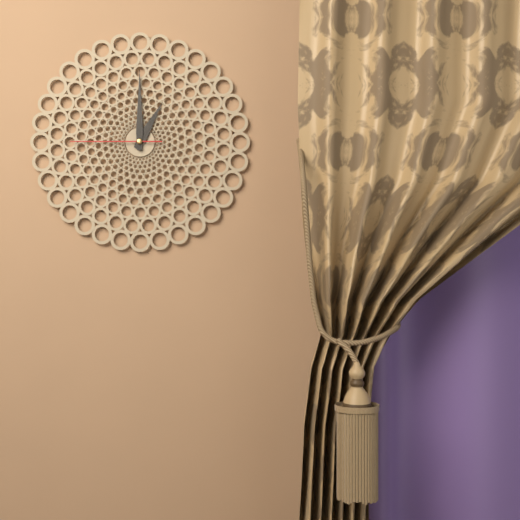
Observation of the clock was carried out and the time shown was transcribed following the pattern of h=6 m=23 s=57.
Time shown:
h=1 m=0 s=45
